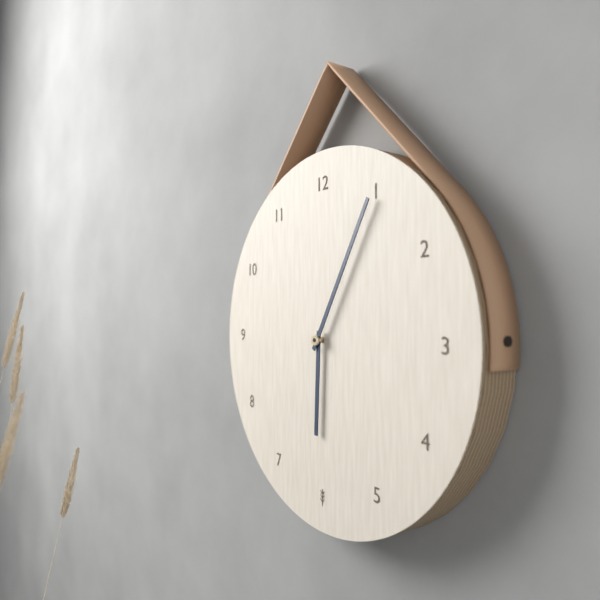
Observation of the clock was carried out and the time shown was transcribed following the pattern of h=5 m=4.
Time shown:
h=6 m=5
